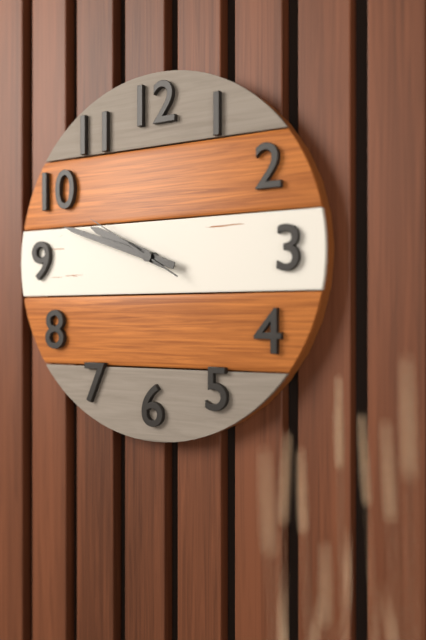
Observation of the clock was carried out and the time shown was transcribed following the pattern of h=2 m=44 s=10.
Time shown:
h=9 m=48 s=50
